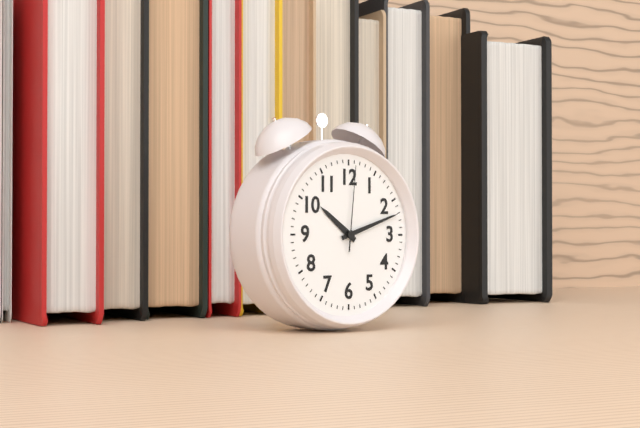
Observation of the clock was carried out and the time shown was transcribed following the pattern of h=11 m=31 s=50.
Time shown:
h=10 m=12 s=1
